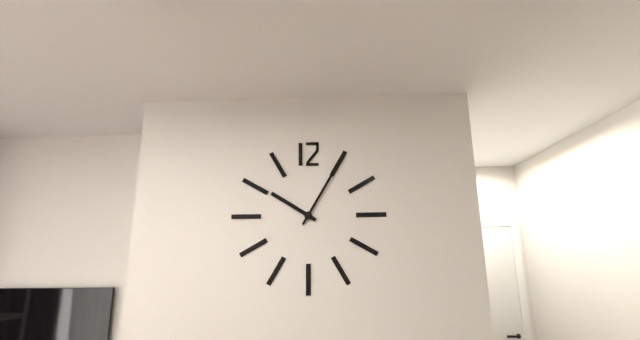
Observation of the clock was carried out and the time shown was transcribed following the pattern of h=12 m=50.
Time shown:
h=10 m=5
